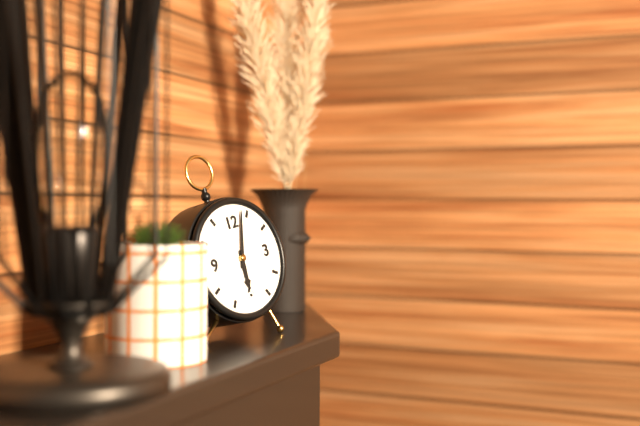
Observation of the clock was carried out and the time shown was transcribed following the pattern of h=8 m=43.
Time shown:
h=6 m=3
